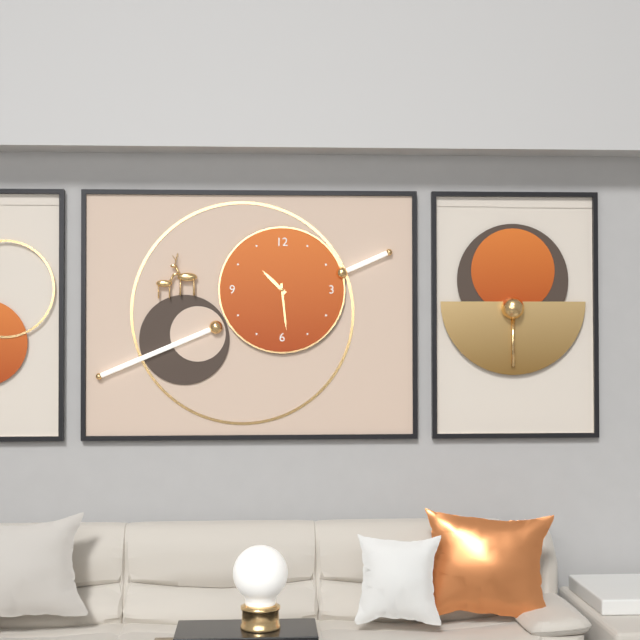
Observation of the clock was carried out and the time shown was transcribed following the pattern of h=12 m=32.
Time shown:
h=10 m=29
